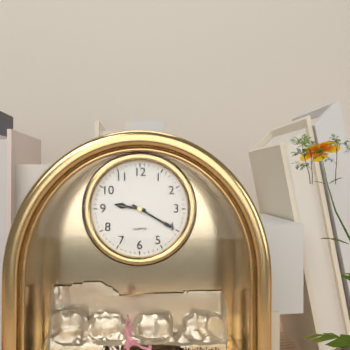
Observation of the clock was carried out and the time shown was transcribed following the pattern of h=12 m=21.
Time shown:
h=9 m=20
